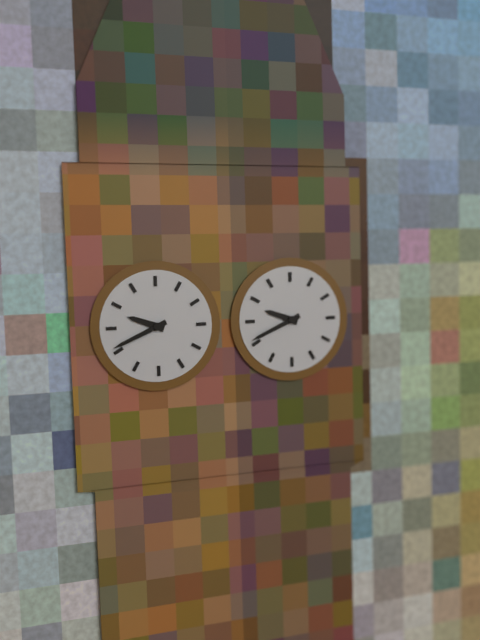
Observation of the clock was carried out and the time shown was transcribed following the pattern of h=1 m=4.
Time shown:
h=9 m=41
